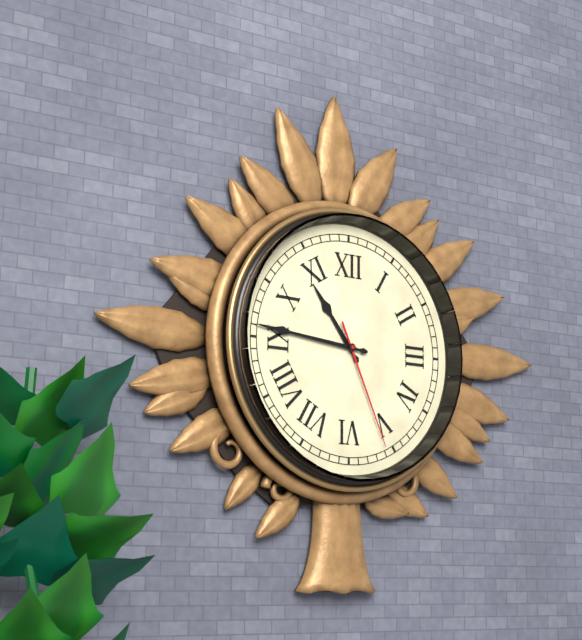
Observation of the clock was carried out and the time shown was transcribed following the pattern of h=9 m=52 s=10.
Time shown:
h=10 m=46 s=26
